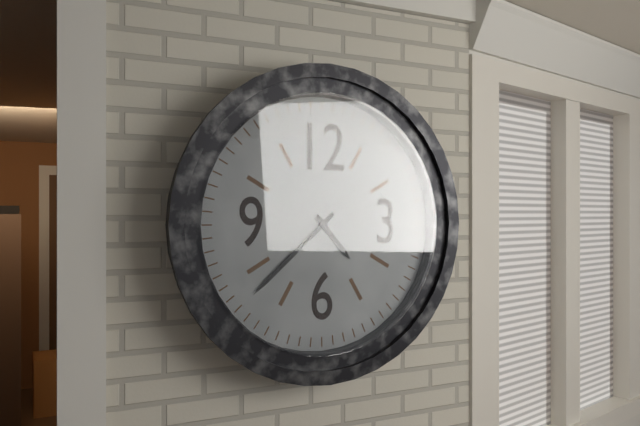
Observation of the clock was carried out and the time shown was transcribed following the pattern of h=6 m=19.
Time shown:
h=4 m=38
